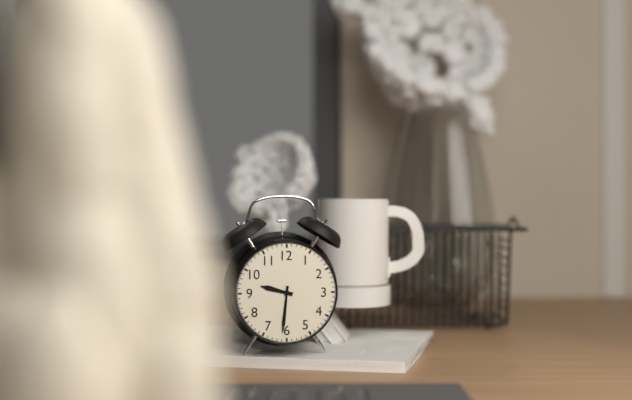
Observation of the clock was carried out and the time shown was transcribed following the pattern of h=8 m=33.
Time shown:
h=9 m=31
